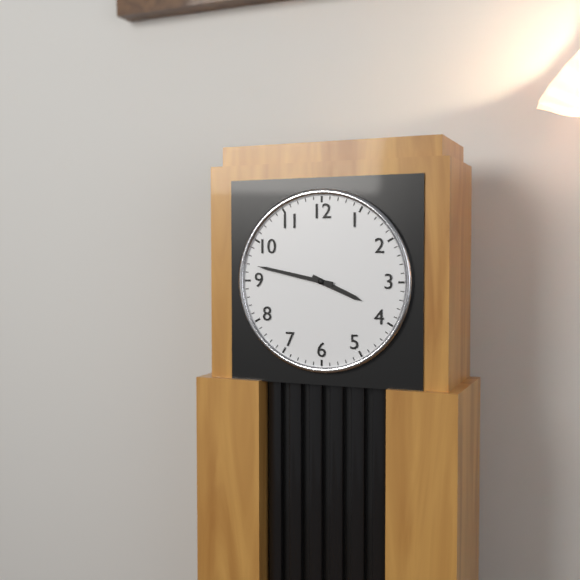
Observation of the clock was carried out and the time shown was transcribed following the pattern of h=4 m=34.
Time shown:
h=3 m=47
